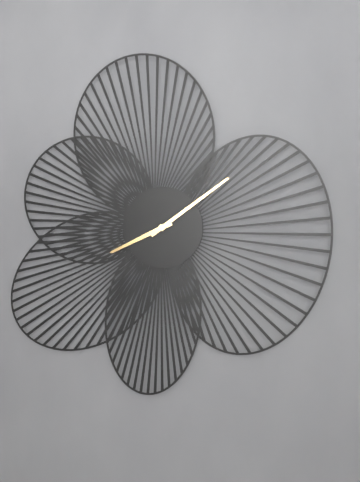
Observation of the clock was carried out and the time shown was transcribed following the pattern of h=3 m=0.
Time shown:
h=8 m=9
